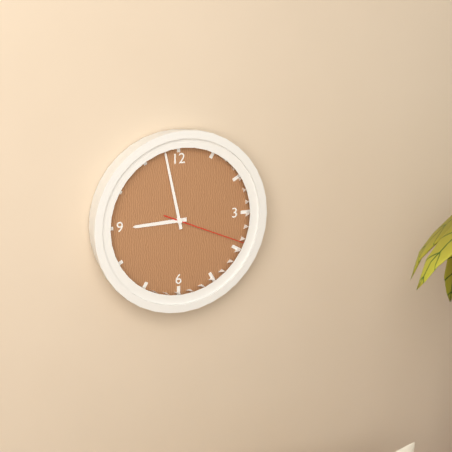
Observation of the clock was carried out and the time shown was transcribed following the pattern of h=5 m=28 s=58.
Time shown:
h=8 m=58 s=19
